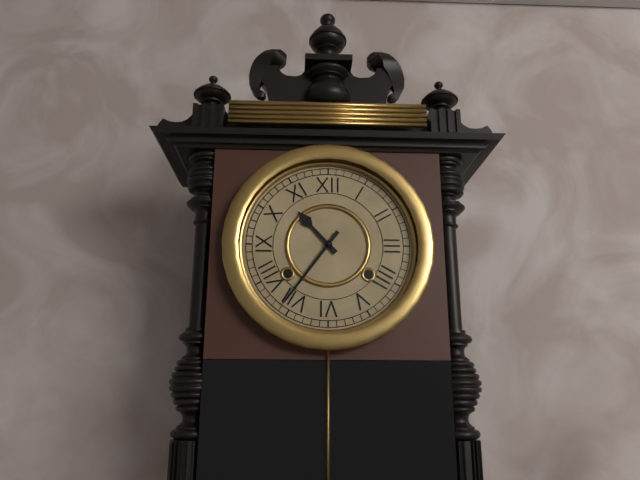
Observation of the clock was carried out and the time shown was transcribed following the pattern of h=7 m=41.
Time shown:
h=10 m=36
